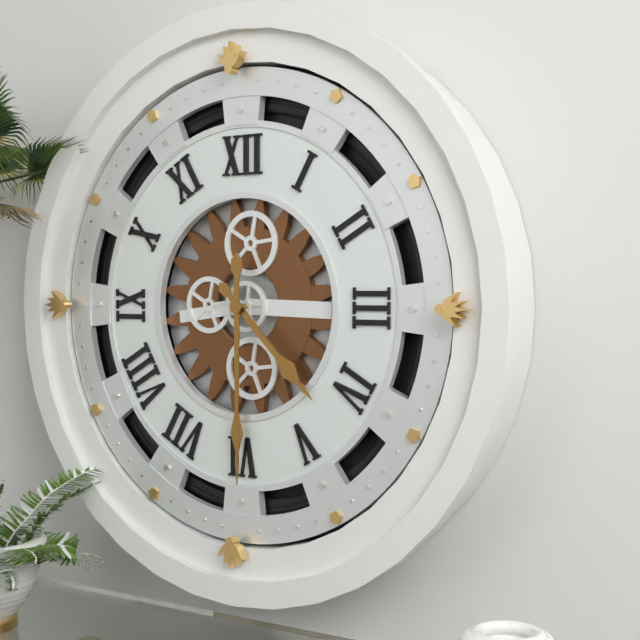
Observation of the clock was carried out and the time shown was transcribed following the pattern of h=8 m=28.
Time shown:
h=4 m=30
